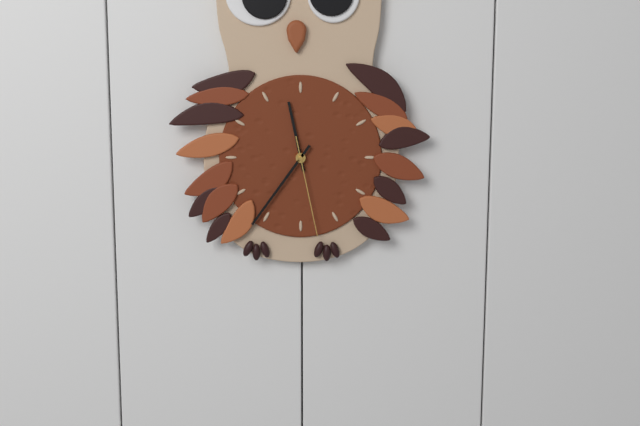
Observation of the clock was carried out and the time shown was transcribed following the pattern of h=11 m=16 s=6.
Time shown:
h=11 m=36 s=28
